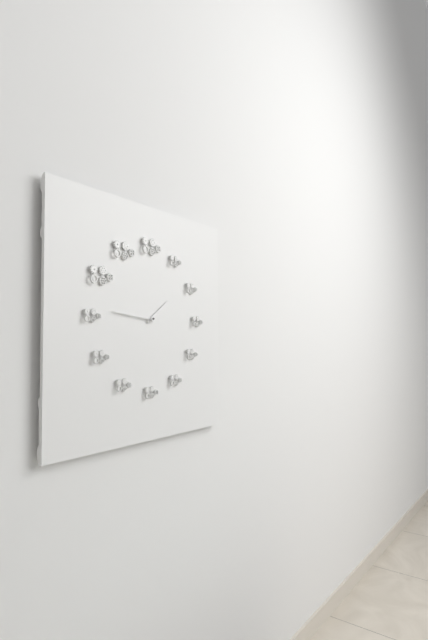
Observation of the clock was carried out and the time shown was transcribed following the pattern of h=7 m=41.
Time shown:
h=1 m=46
